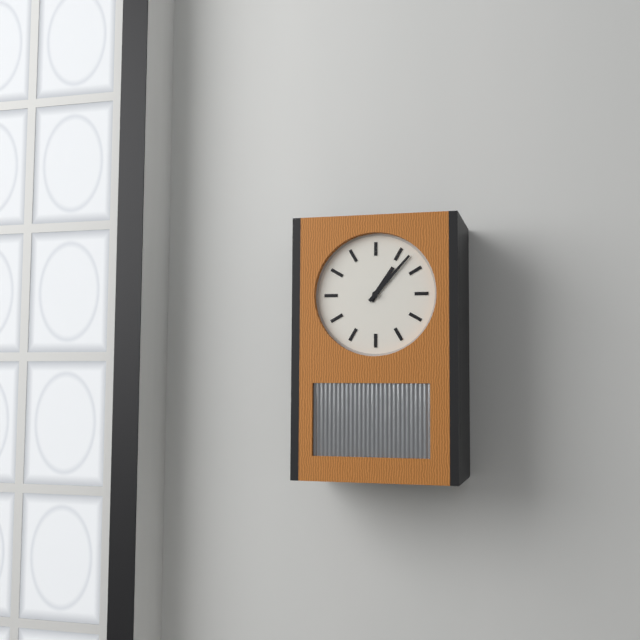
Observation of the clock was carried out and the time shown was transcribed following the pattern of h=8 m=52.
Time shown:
h=1 m=7
